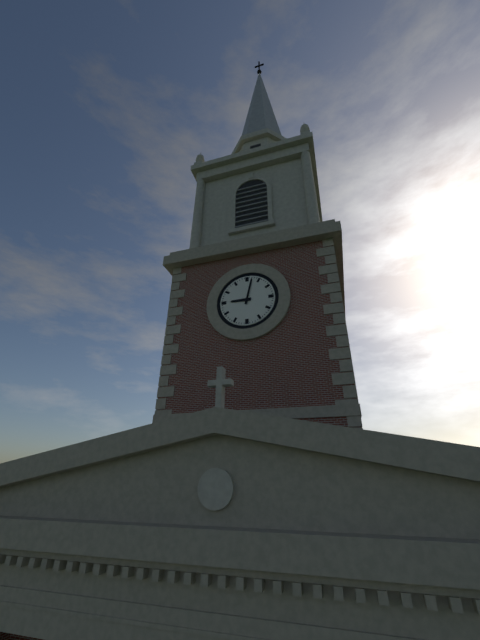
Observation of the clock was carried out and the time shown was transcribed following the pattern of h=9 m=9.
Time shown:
h=9 m=2
